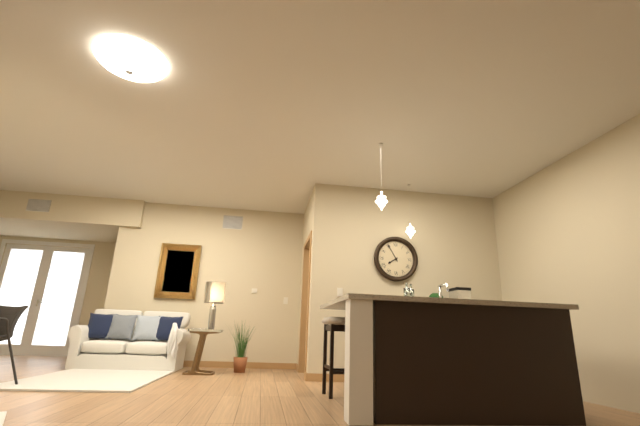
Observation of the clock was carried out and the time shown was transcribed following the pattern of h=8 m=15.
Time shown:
h=7 m=55
